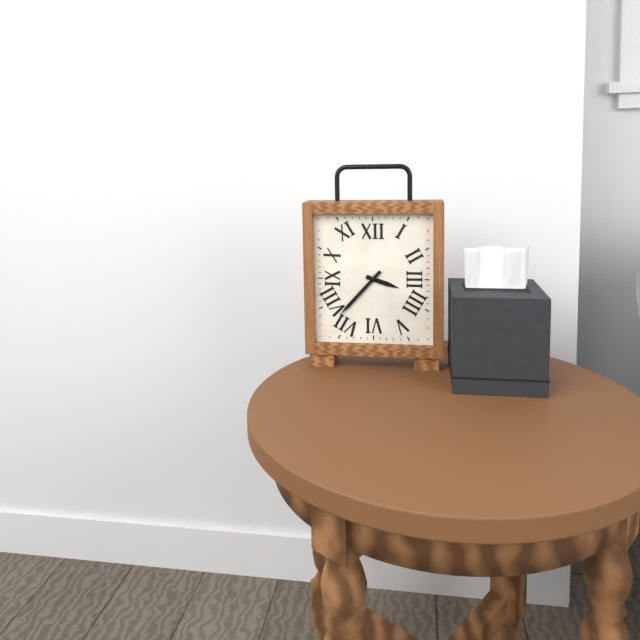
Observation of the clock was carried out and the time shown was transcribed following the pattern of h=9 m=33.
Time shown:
h=3 m=37
